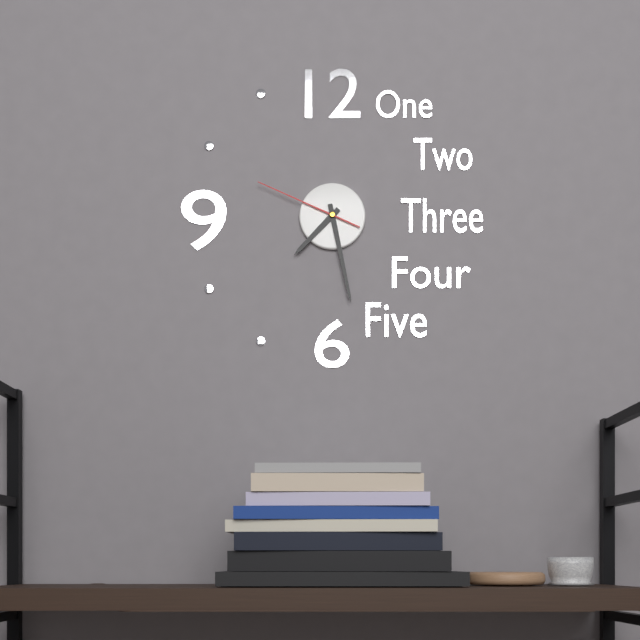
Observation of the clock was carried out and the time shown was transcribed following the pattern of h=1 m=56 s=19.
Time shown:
h=7 m=28 s=49
